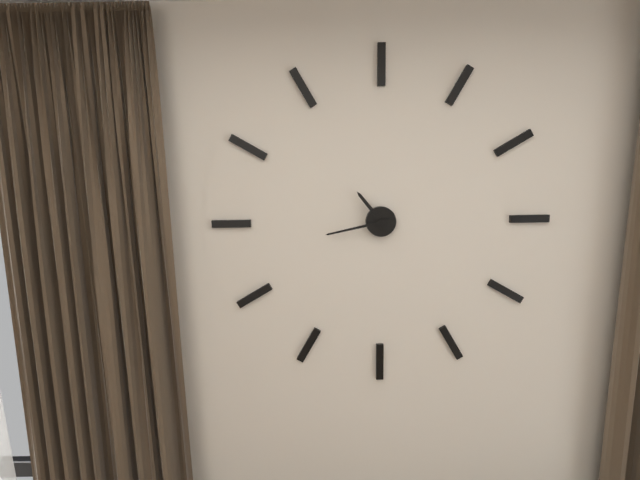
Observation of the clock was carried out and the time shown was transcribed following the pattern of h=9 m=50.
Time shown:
h=10 m=43
